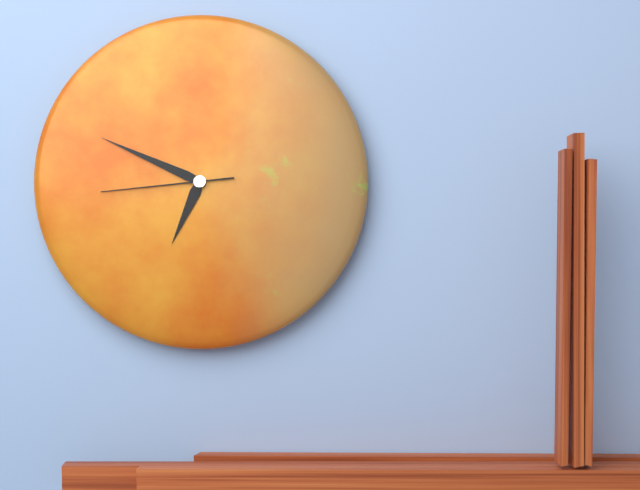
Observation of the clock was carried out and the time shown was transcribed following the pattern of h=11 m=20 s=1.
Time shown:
h=6 m=49 s=44
